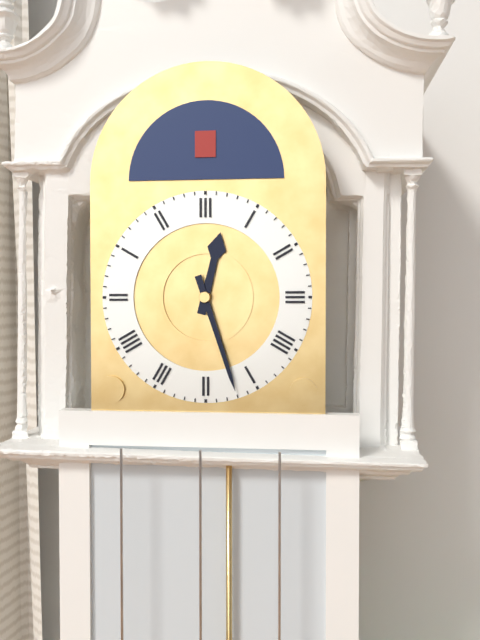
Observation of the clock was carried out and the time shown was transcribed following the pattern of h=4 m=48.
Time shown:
h=12 m=27
